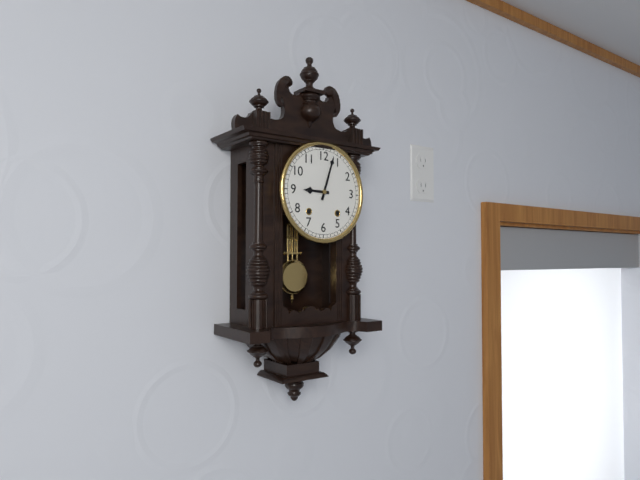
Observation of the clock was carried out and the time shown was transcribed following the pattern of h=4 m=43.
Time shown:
h=9 m=3
